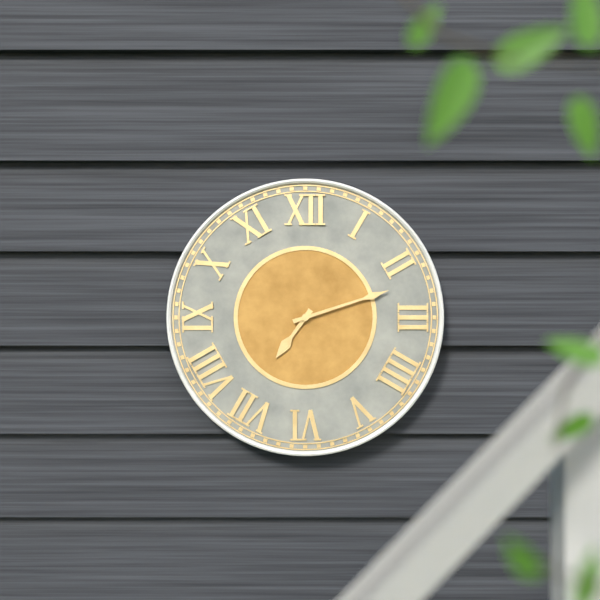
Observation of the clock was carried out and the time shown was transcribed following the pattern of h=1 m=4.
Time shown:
h=7 m=12
